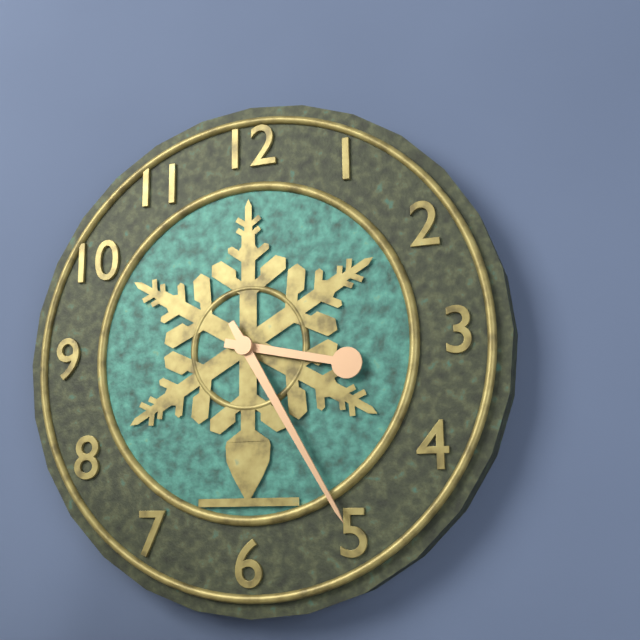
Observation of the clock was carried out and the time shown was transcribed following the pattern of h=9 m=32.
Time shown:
h=3 m=25
